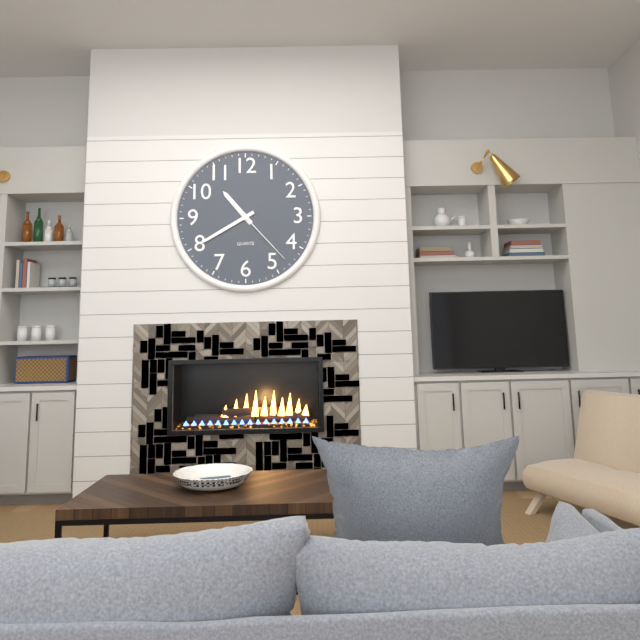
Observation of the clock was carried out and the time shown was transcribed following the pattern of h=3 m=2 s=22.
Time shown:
h=10 m=40 s=23
